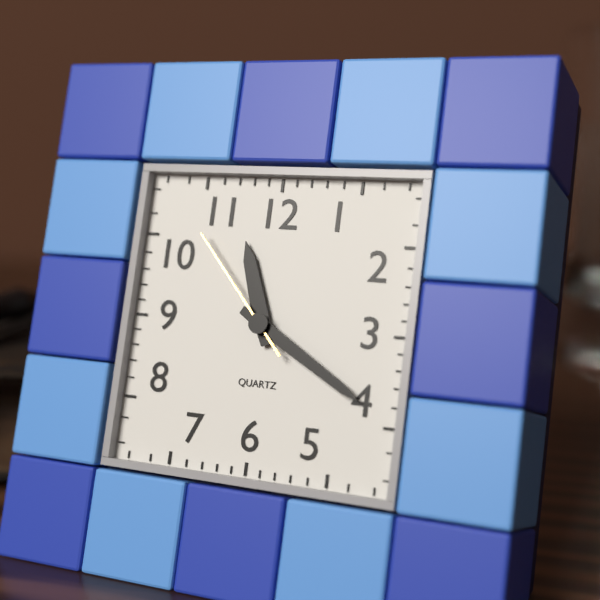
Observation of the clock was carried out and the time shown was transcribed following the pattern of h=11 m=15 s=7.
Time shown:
h=11 m=20 s=53
